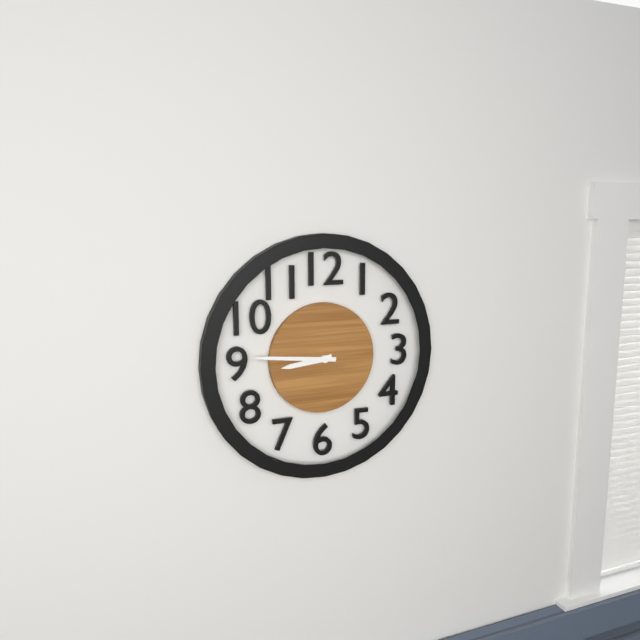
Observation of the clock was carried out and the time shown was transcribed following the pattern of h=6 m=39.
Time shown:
h=8 m=46
